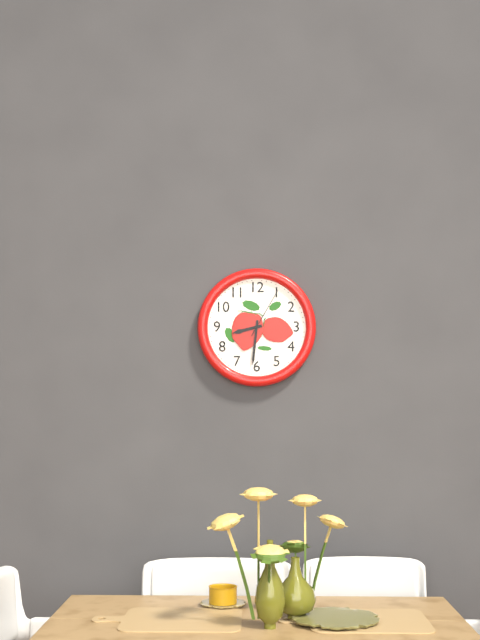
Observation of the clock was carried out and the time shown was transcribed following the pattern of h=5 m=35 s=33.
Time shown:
h=8 m=31 s=5
